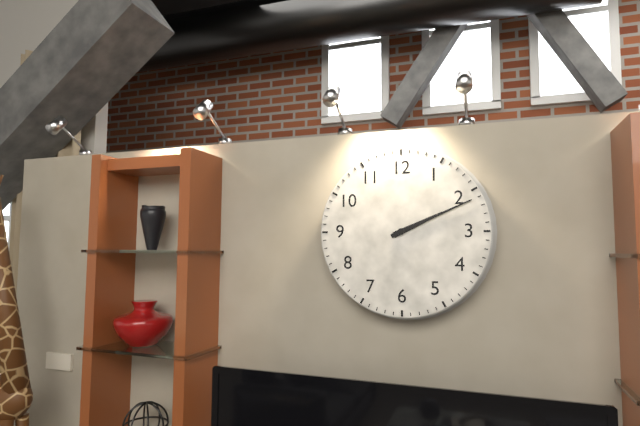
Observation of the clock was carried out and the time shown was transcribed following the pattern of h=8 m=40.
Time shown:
h=2 m=11
